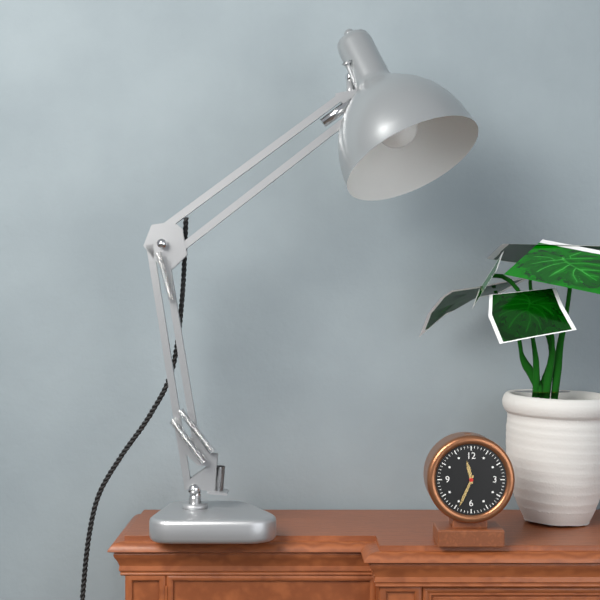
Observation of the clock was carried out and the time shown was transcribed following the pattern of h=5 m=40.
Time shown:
h=11 m=34
